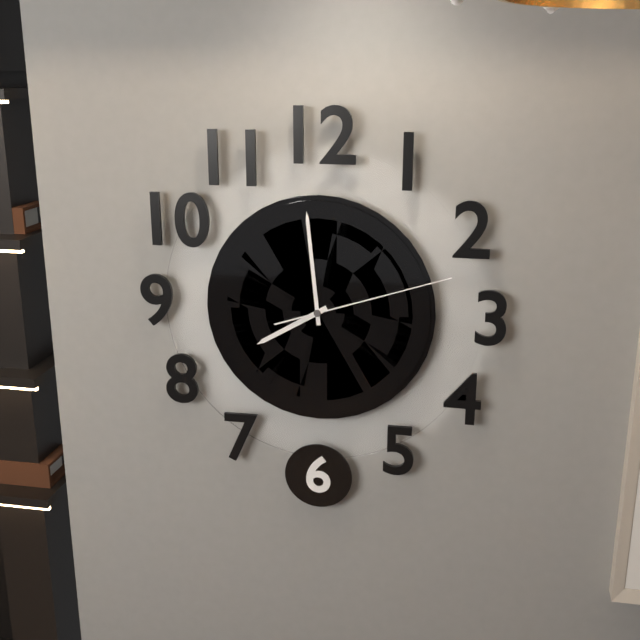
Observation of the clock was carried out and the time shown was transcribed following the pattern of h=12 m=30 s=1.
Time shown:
h=7 m=59 s=12
